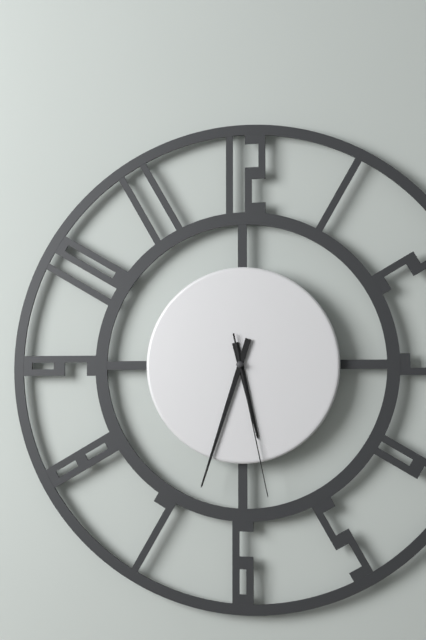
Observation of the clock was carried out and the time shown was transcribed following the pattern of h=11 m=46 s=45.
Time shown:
h=5 m=33 s=28
